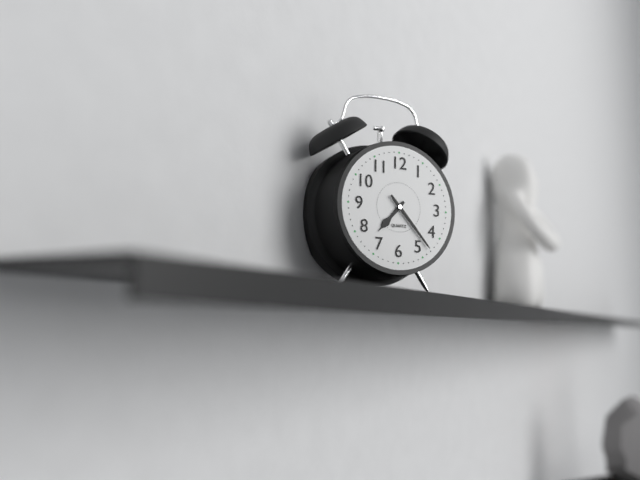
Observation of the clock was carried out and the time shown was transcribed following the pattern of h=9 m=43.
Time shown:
h=7 m=23
